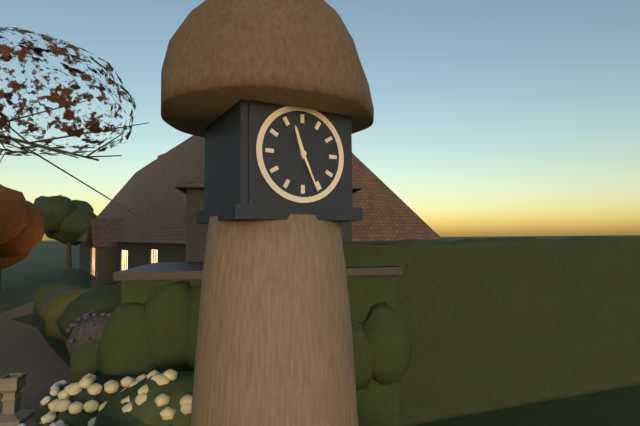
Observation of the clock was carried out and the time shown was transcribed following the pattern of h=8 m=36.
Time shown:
h=11 m=26
